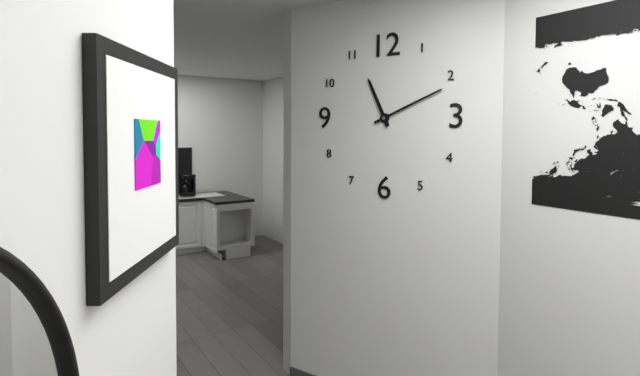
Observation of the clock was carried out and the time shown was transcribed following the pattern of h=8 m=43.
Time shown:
h=11 m=11
